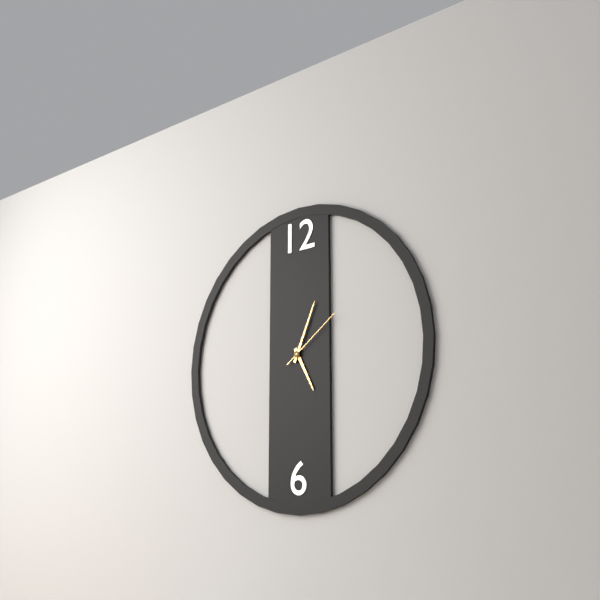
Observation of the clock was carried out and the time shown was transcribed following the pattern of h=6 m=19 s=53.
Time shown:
h=5 m=4 s=9
